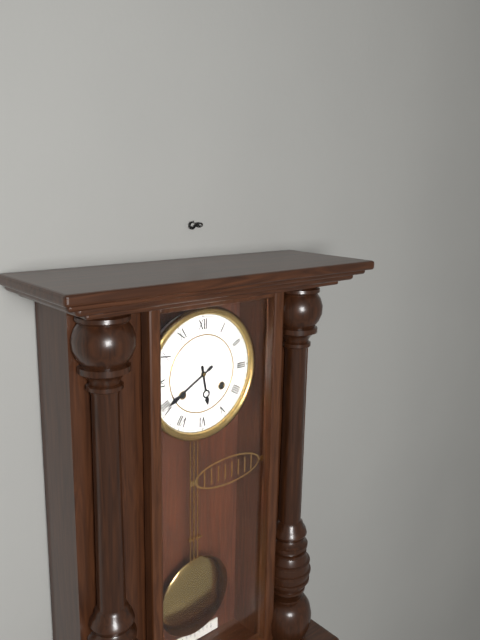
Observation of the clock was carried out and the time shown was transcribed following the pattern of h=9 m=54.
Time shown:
h=5 m=40
